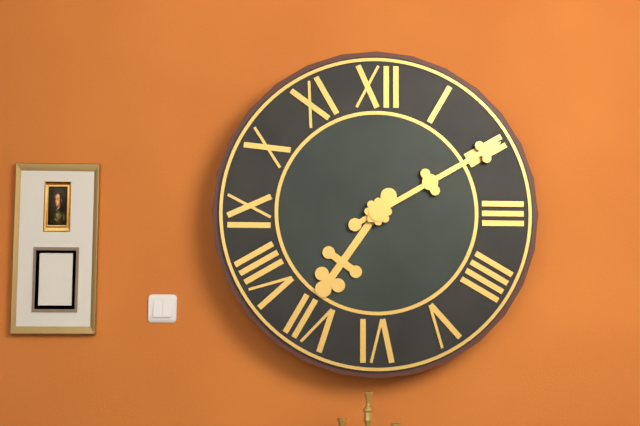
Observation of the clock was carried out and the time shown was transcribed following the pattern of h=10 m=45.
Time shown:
h=7 m=10
